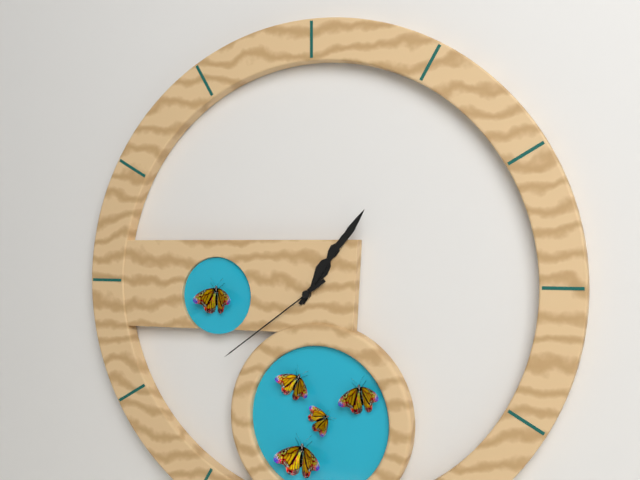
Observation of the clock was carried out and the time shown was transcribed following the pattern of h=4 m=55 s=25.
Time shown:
h=1 m=6 s=39
